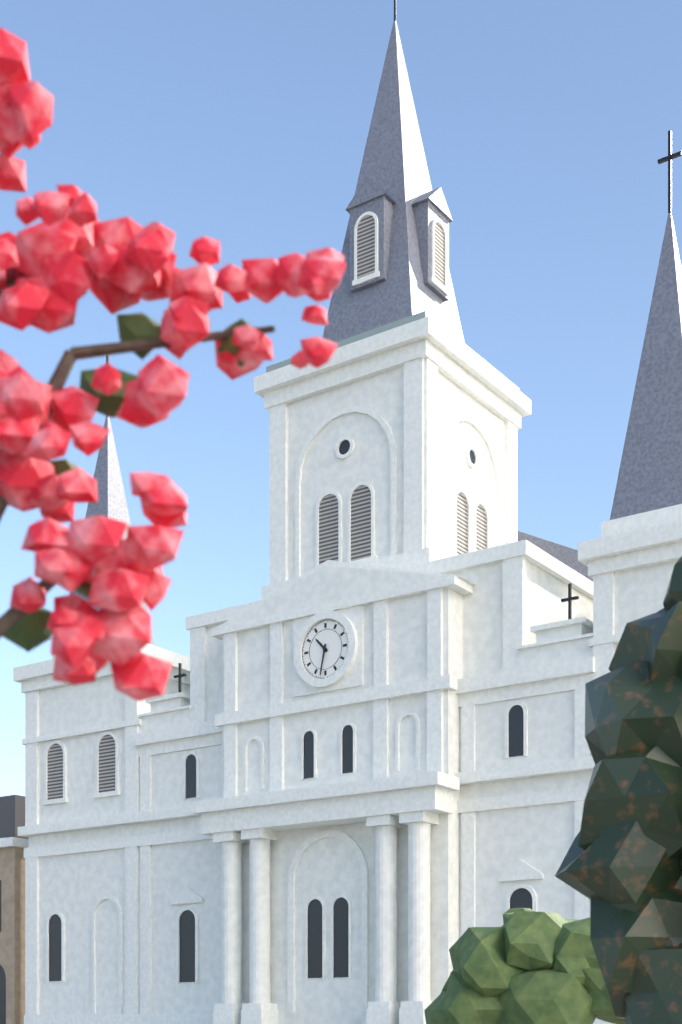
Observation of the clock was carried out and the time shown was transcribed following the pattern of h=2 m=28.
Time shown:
h=10 m=32
